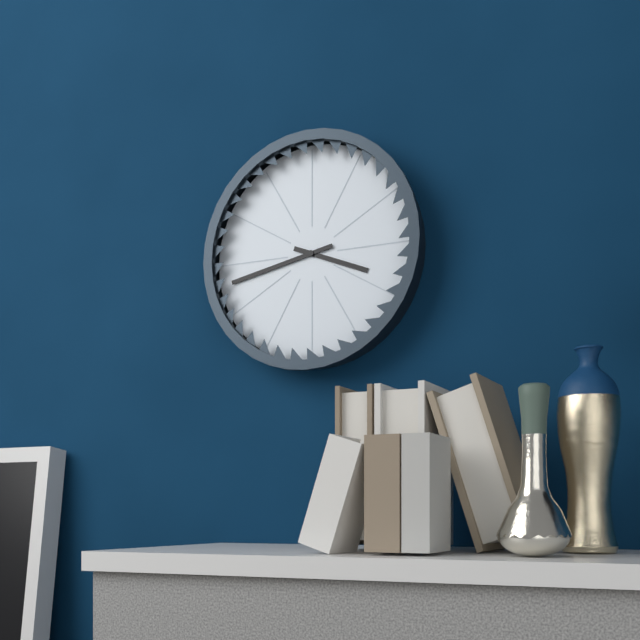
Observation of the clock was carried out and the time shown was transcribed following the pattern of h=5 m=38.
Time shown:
h=3 m=43
